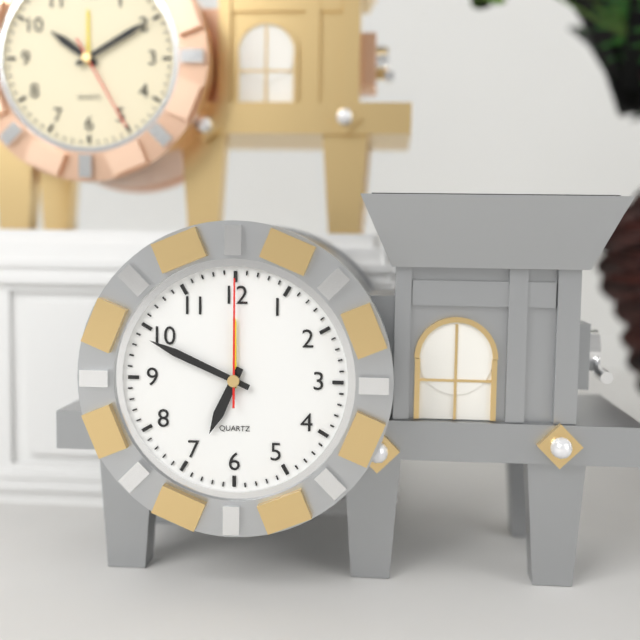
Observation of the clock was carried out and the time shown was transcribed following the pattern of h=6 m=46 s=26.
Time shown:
h=6 m=49 s=0
